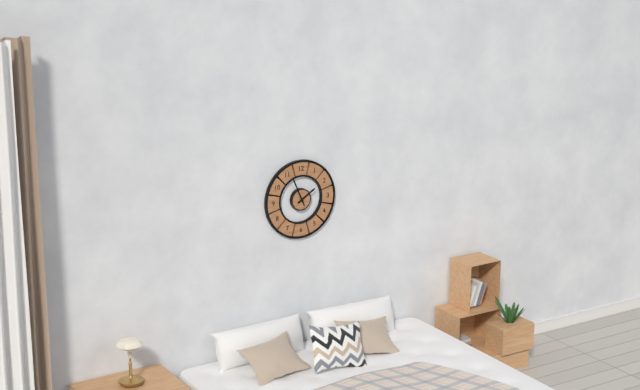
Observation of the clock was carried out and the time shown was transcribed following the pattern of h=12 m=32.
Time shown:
h=1 m=56
